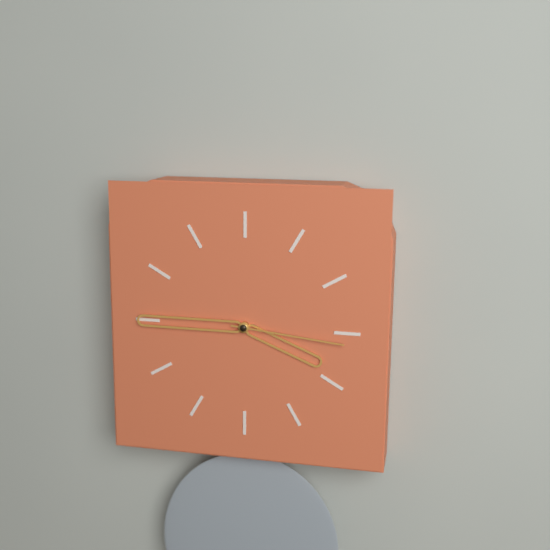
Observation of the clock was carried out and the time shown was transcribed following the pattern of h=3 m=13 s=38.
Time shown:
h=3 m=45 s=16
